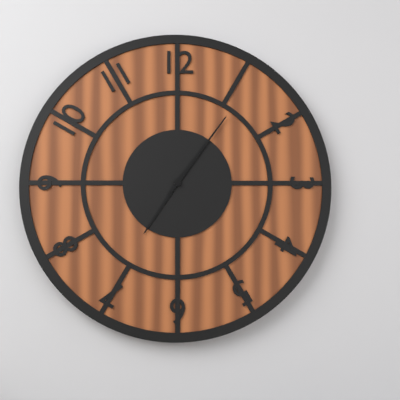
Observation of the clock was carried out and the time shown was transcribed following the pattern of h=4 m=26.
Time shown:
h=7 m=6
